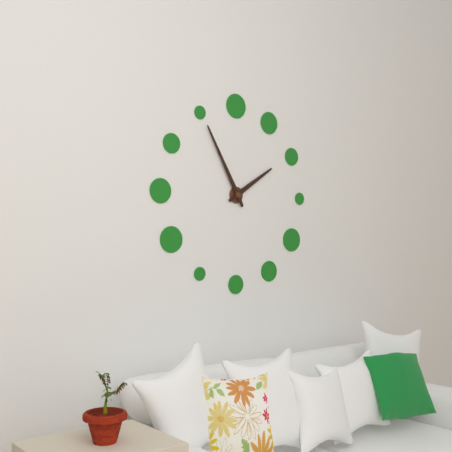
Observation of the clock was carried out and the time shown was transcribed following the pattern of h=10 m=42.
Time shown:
h=1 m=55
